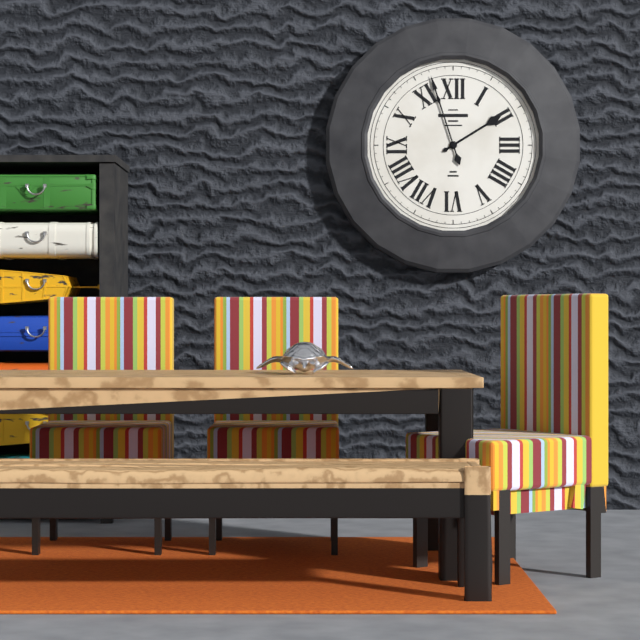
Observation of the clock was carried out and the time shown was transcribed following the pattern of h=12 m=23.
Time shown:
h=1 m=57
